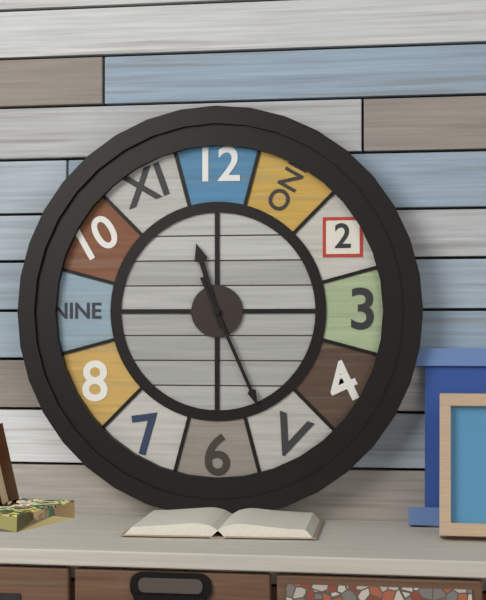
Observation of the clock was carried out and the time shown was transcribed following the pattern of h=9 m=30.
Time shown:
h=11 m=26
